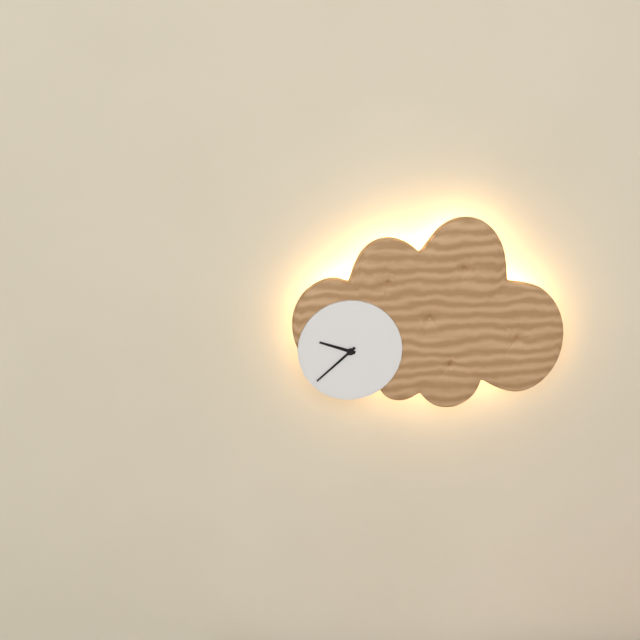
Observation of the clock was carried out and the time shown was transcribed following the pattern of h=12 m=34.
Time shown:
h=9 m=38
